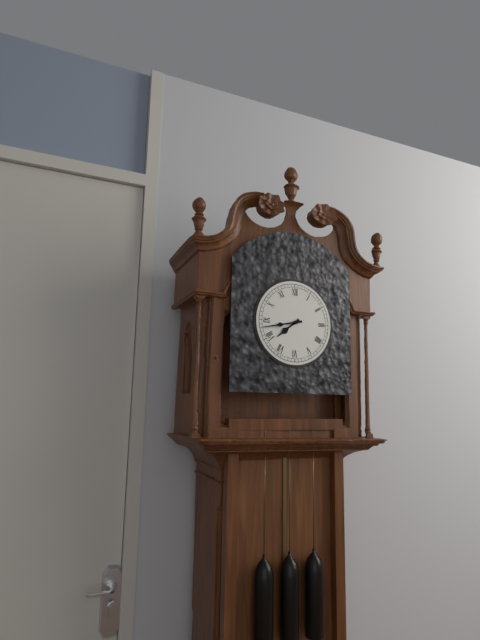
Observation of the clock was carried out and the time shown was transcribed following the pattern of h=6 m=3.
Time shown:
h=7 m=43
